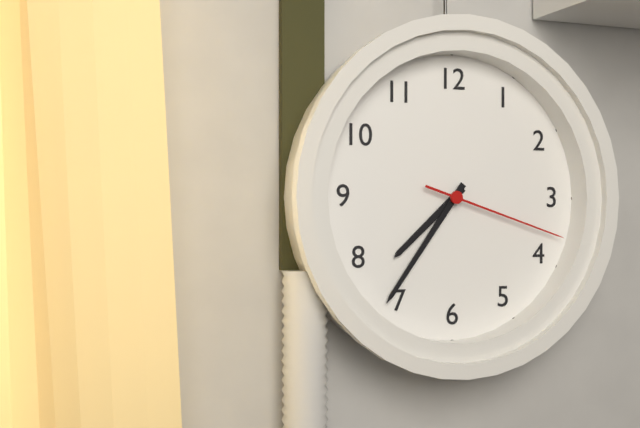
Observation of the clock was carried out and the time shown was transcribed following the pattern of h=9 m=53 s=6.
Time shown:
h=7 m=36 s=18
